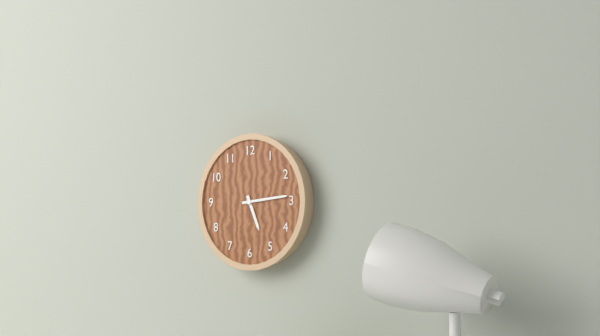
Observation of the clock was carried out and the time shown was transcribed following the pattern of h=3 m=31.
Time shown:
h=5 m=14
